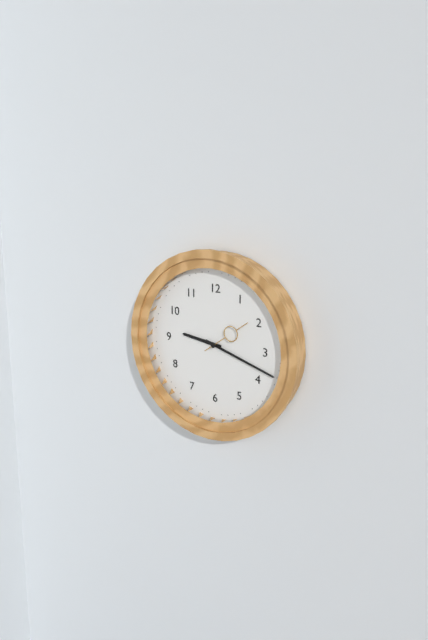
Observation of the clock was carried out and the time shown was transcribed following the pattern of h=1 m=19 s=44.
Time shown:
h=9 m=18 s=9
